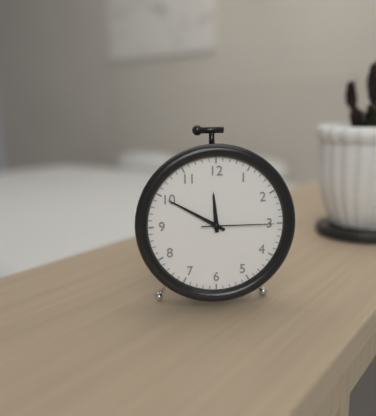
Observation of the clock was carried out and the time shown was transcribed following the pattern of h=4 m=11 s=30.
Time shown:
h=11 m=50 s=15
